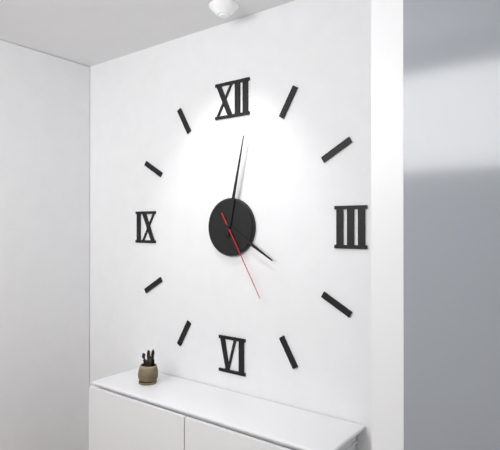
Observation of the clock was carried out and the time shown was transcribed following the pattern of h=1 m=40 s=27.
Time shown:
h=4 m=2 s=25
